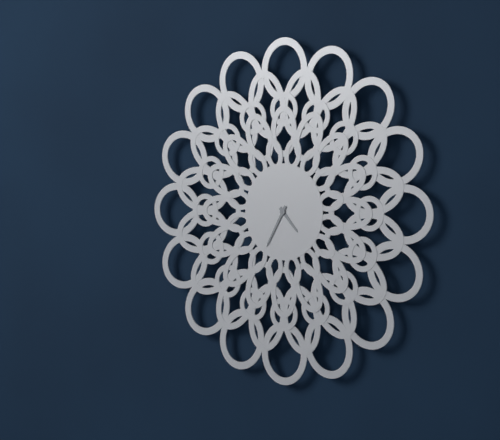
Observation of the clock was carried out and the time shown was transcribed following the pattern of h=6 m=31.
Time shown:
h=4 m=35
